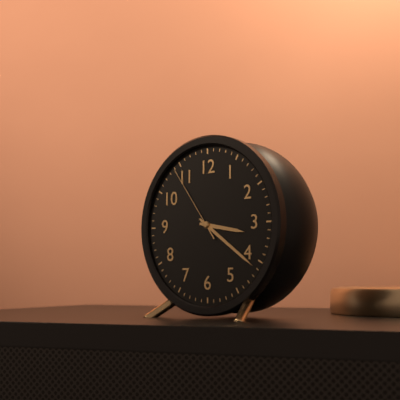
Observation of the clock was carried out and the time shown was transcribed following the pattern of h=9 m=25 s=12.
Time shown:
h=3 m=21 s=54
